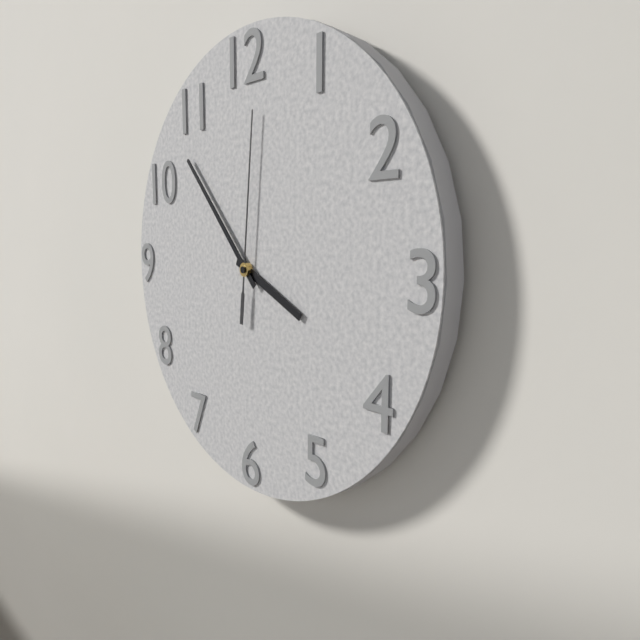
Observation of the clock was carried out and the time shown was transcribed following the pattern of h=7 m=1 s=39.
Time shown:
h=3 m=53 s=1
